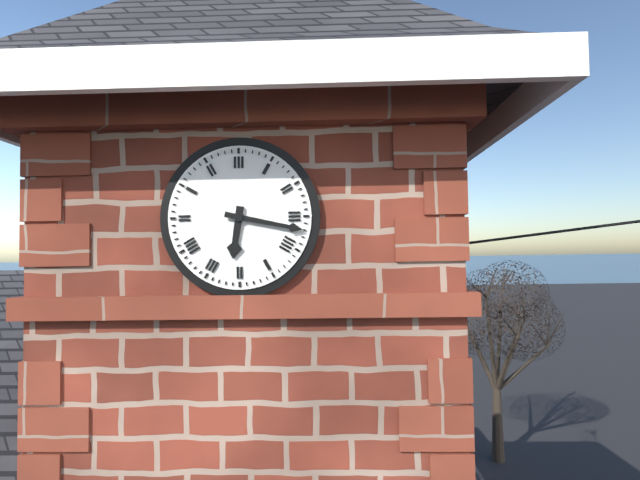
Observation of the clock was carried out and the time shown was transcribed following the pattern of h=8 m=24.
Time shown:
h=6 m=17
